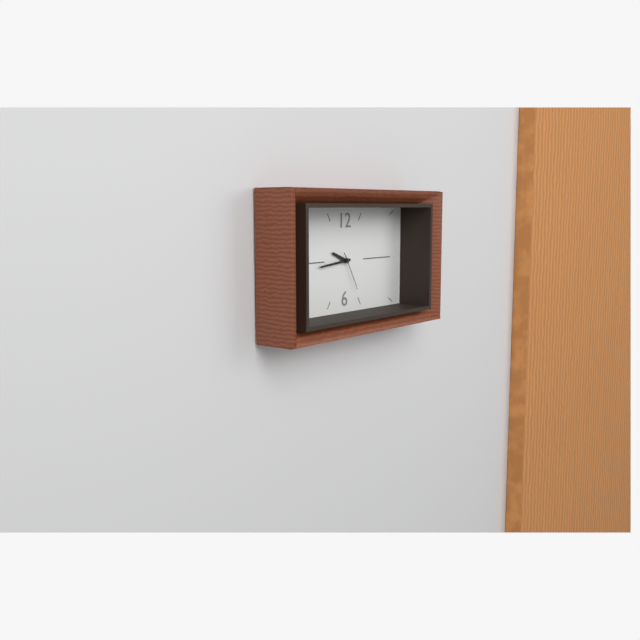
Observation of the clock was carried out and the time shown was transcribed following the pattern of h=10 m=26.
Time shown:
h=9 m=44
